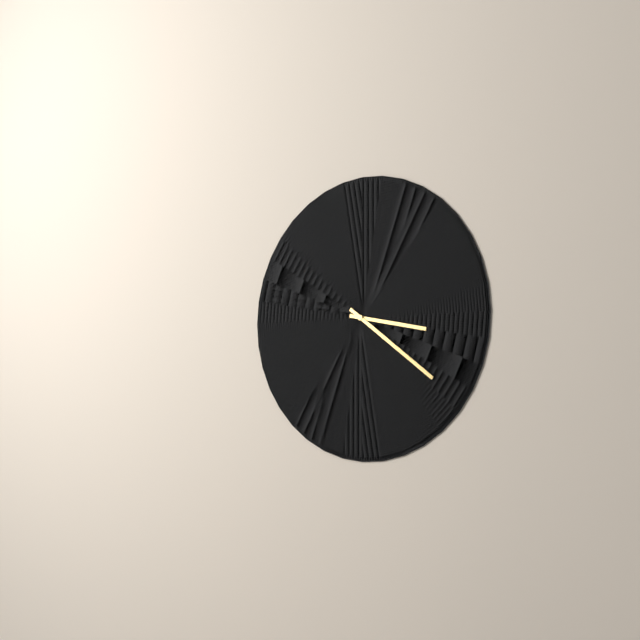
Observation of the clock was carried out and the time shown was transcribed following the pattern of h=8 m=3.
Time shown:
h=3 m=21
